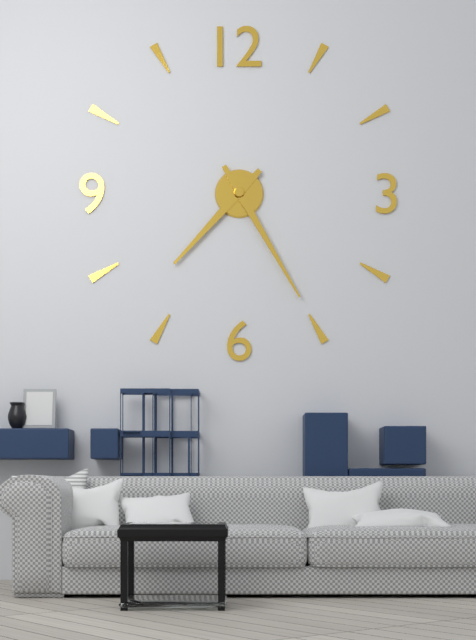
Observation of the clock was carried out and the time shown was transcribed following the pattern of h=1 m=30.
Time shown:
h=7 m=25
